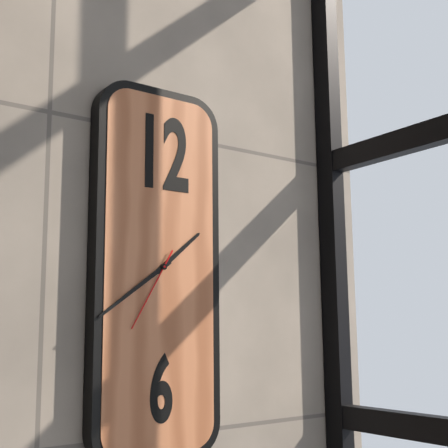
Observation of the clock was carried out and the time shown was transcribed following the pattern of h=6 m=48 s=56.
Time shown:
h=1 m=39 s=35
